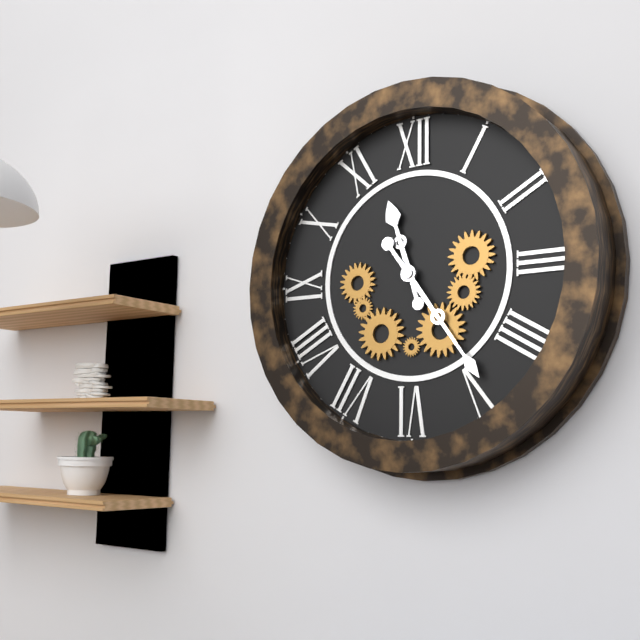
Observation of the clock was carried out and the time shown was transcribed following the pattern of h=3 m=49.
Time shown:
h=11 m=24
